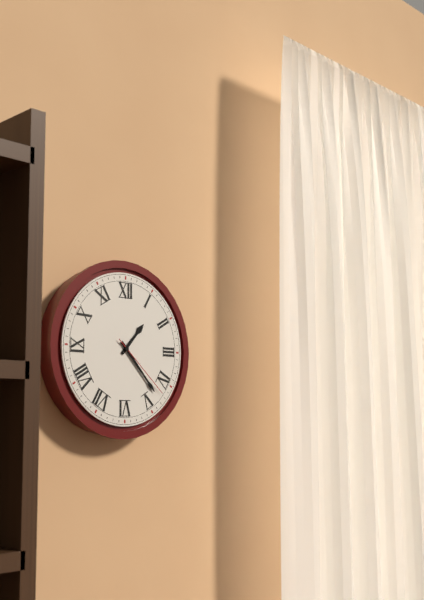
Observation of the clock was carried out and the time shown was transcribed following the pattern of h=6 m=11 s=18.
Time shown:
h=1 m=23 s=22
